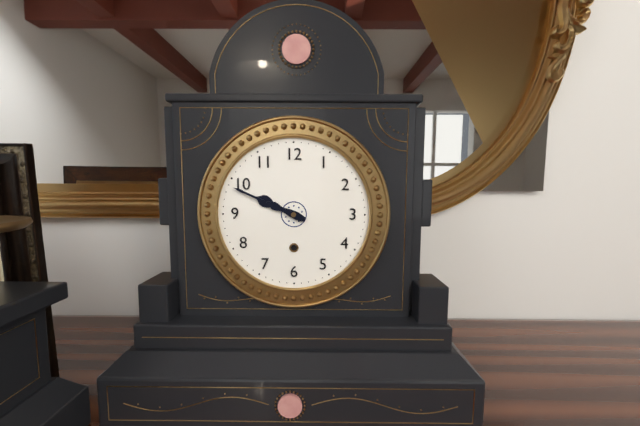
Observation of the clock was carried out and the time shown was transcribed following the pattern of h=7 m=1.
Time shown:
h=9 m=49
